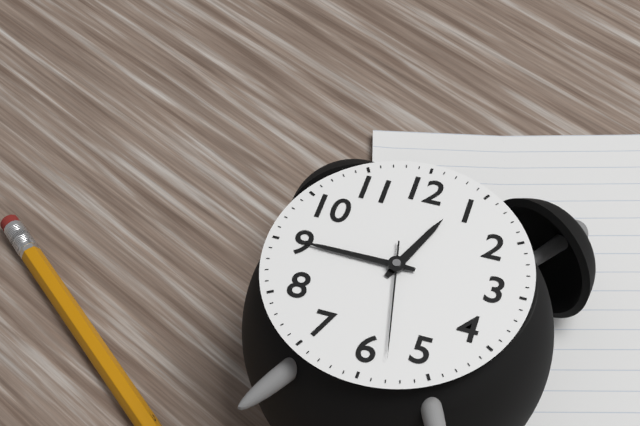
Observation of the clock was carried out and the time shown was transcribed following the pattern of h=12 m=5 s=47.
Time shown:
h=12 m=45 s=28
